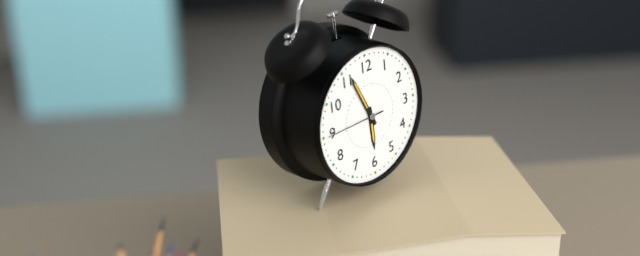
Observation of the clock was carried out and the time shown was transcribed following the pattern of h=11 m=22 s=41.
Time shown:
h=5 m=56 s=45
